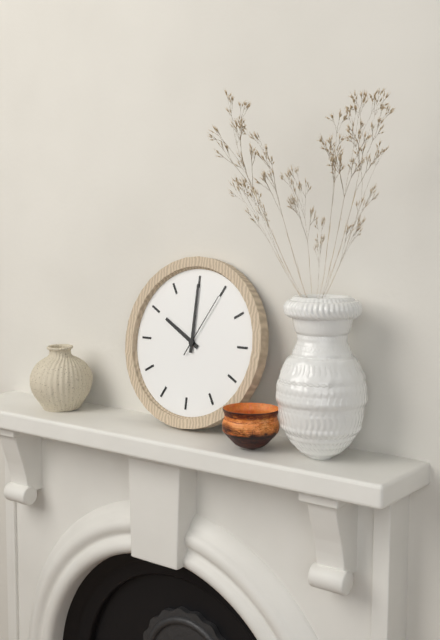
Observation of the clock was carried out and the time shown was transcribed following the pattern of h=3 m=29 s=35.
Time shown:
h=10 m=0 s=5
